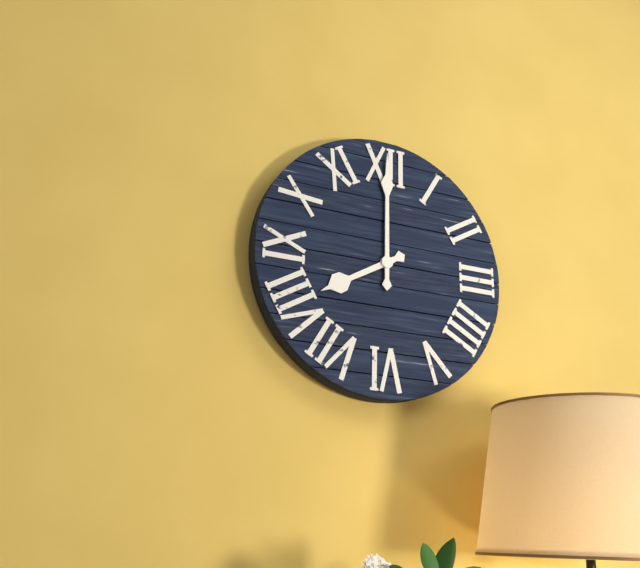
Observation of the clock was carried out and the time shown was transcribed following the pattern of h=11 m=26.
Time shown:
h=8 m=0
